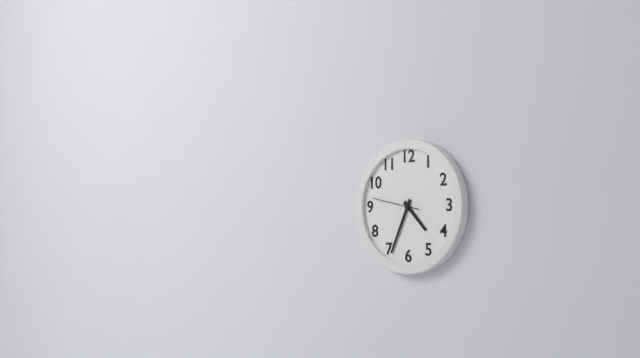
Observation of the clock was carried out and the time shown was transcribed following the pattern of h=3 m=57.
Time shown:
h=4 m=34
